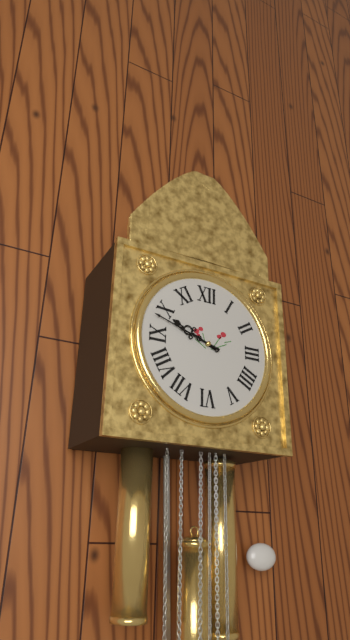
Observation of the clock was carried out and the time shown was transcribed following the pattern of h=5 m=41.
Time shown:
h=9 m=48
